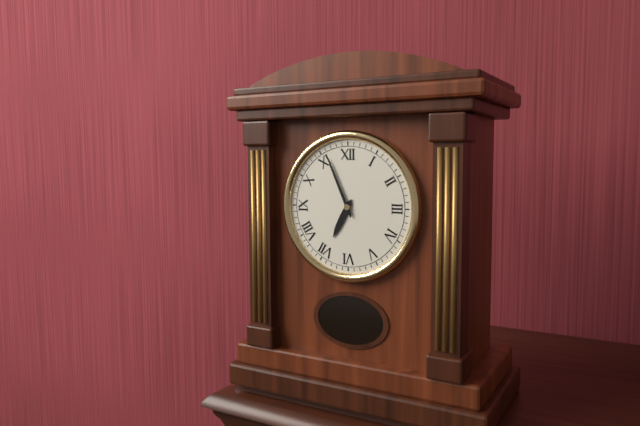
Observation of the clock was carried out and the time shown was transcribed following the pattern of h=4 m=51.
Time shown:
h=6 m=56
